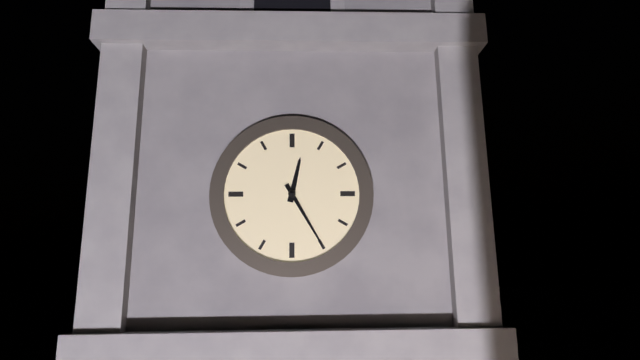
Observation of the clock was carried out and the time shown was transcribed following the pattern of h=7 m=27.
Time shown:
h=12 m=25
